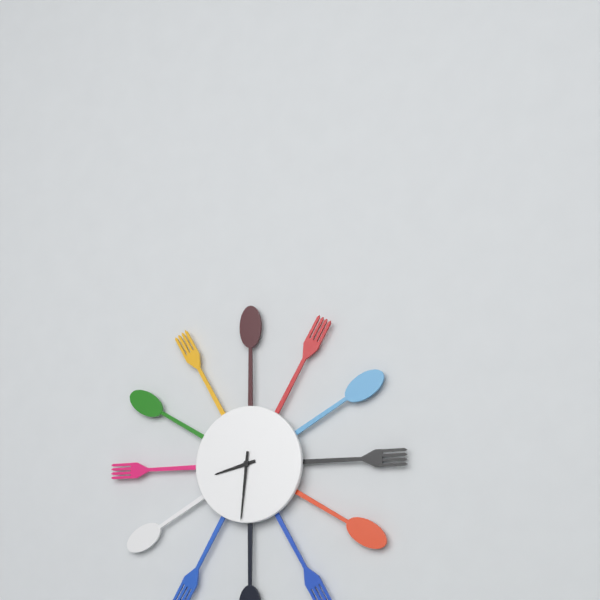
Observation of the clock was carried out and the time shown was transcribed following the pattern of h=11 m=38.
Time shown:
h=8 m=31
